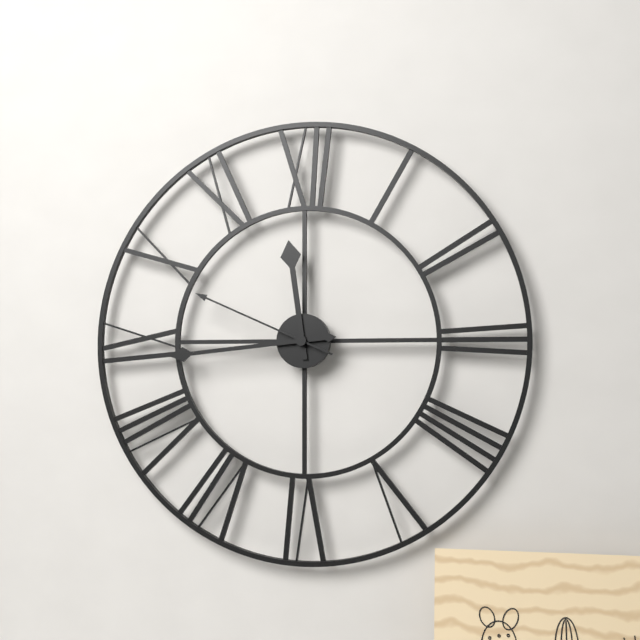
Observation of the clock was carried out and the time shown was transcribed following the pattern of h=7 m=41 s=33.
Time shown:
h=11 m=44 s=49
